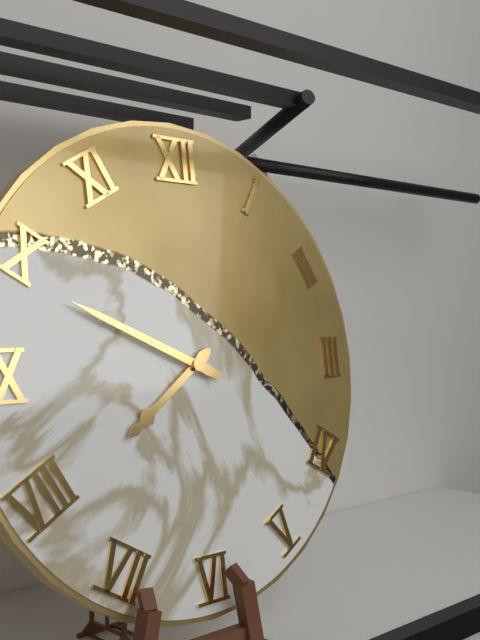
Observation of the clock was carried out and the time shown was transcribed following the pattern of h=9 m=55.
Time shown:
h=7 m=49
